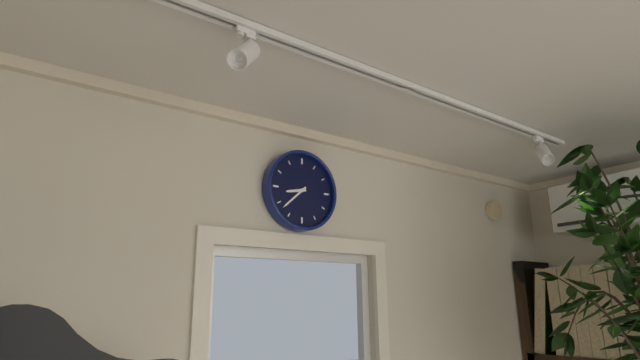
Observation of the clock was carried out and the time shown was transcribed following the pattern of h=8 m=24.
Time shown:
h=8 m=38
